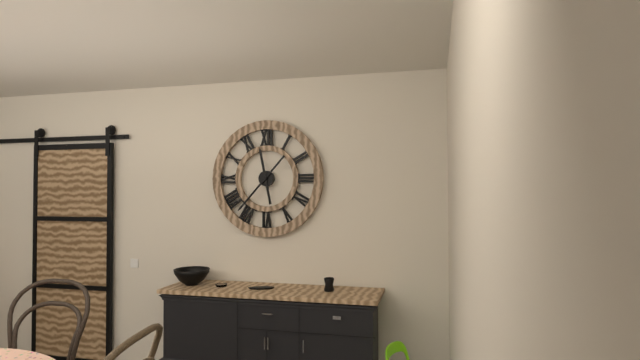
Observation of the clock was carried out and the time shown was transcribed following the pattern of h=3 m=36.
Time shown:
h=11 m=37
